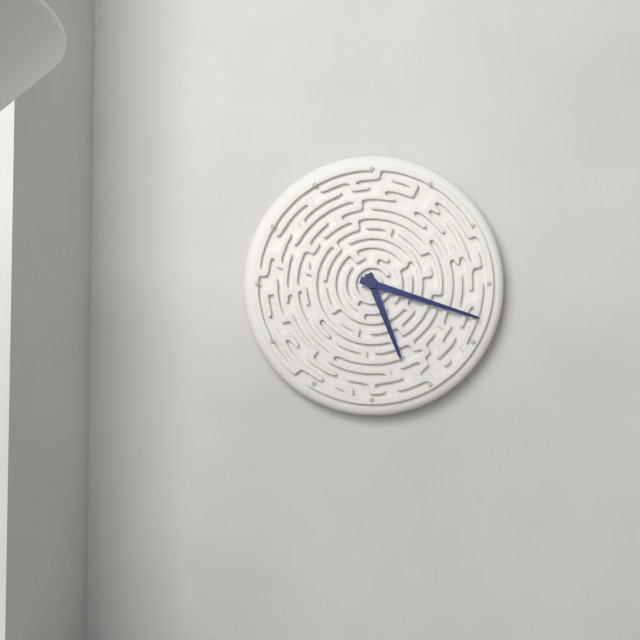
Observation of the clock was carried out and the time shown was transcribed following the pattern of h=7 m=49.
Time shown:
h=5 m=18
